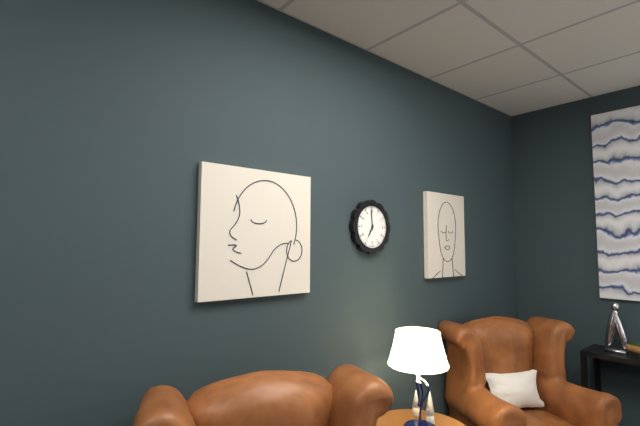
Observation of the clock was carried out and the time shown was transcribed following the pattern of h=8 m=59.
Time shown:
h=6 m=59
